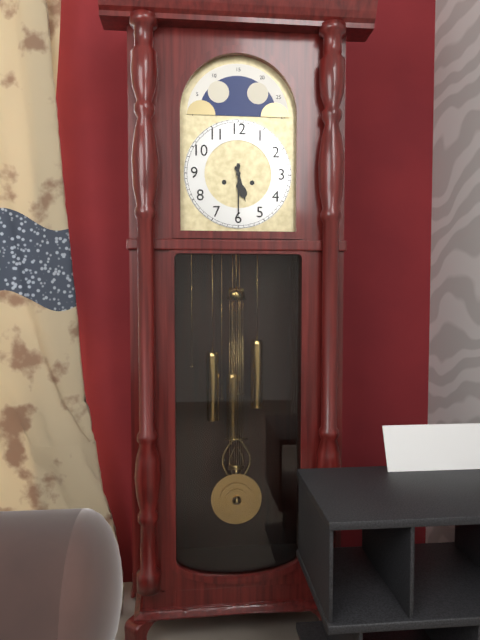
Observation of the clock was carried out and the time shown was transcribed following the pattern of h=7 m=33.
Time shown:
h=5 m=30
